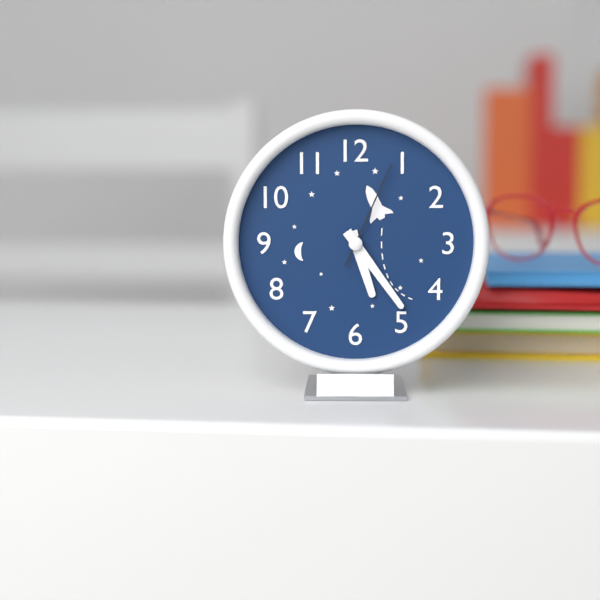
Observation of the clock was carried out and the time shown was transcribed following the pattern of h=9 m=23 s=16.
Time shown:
h=5 m=24 s=4
